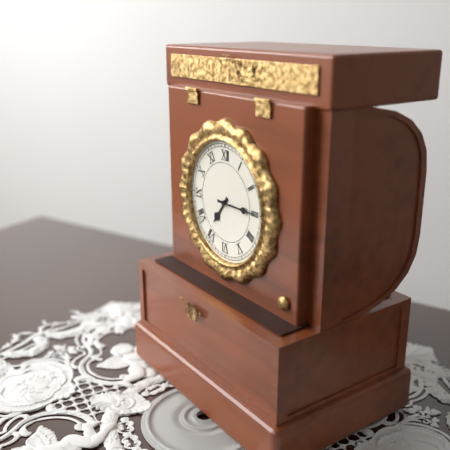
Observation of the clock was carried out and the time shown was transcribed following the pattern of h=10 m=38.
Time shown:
h=7 m=15
